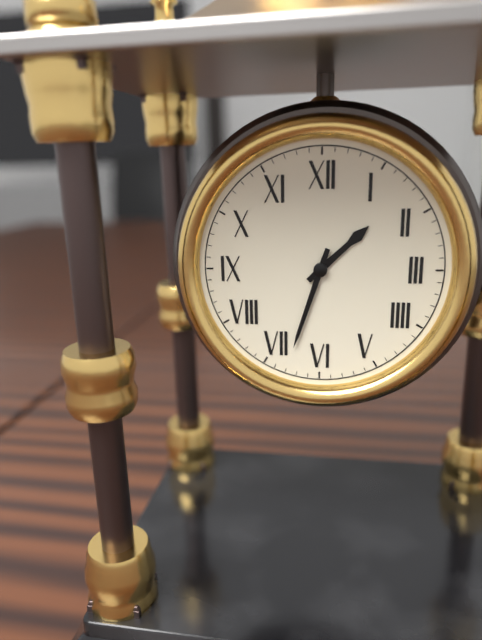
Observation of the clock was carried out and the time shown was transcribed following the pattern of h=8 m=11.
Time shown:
h=1 m=33
